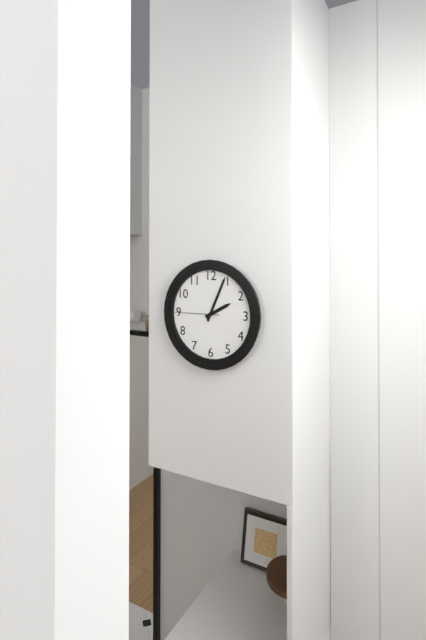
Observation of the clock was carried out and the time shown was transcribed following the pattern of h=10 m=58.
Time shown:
h=2 m=4
